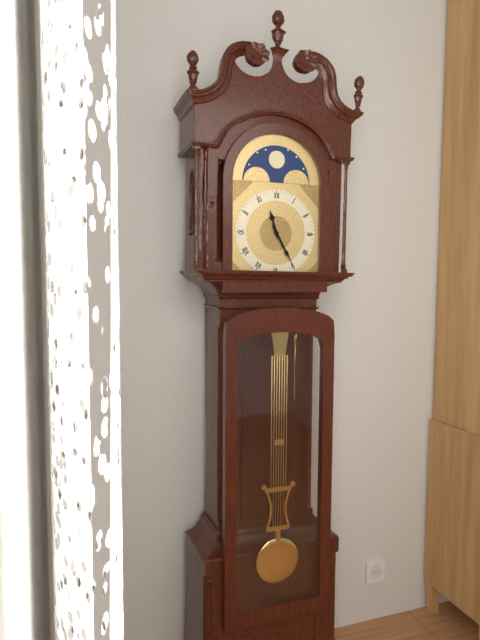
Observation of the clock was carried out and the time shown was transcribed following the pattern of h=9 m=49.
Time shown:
h=11 m=25
